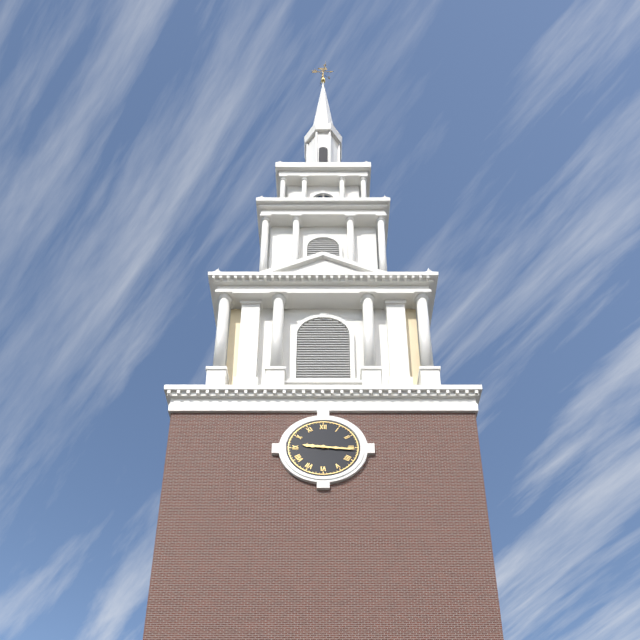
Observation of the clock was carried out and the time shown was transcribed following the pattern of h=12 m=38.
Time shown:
h=9 m=16
